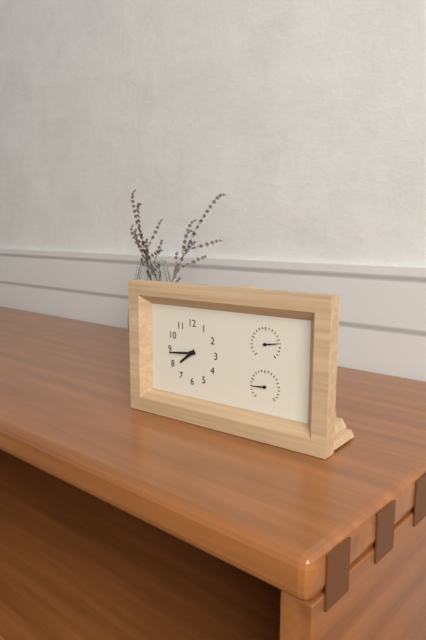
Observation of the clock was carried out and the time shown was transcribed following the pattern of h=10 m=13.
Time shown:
h=7 m=44
